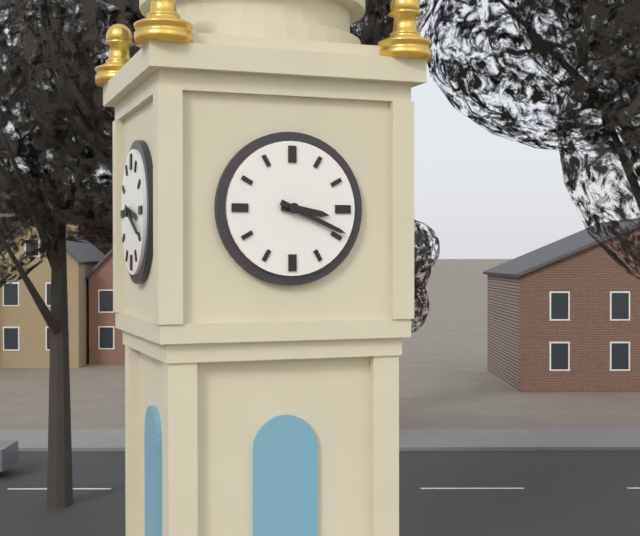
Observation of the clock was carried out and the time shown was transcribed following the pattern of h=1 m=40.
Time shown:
h=3 m=19
